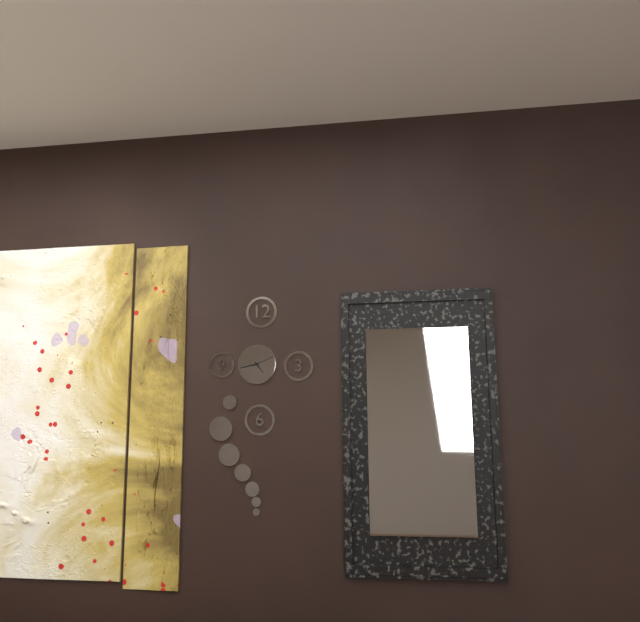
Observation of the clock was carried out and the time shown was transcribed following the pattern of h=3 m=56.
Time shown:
h=4 m=43
